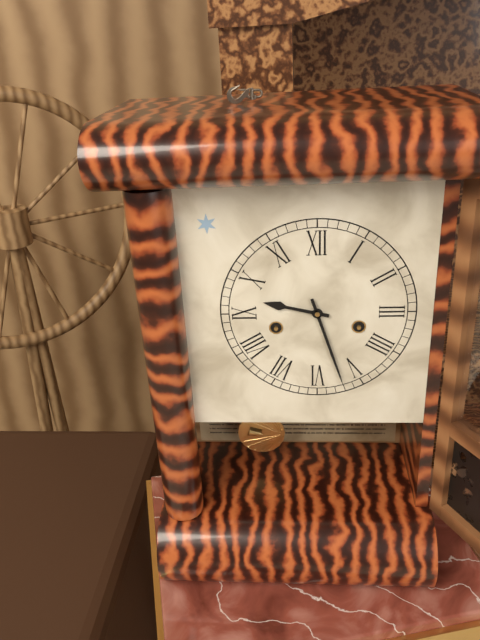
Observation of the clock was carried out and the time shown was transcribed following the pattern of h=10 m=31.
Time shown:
h=9 m=27
